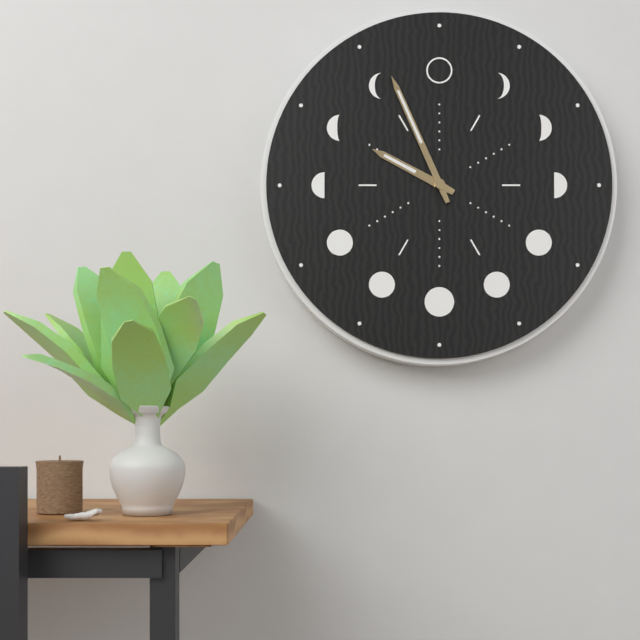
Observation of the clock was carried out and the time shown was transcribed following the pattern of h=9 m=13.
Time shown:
h=9 m=56
